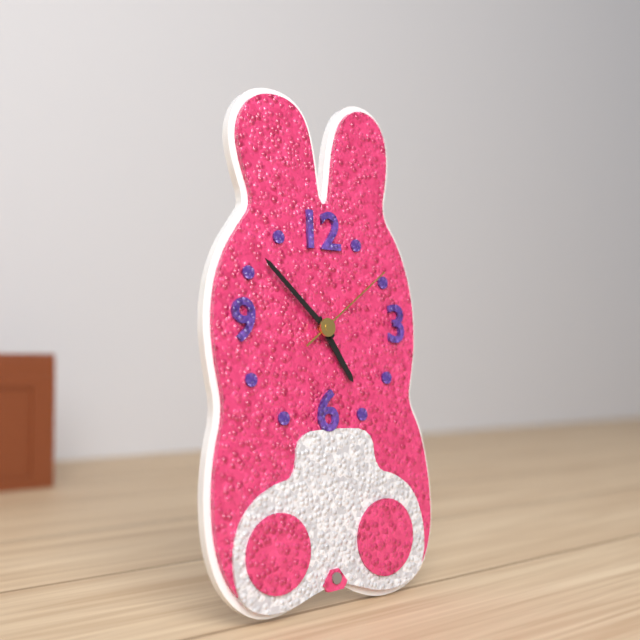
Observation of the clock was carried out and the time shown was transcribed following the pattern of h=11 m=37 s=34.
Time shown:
h=4 m=52 s=9
